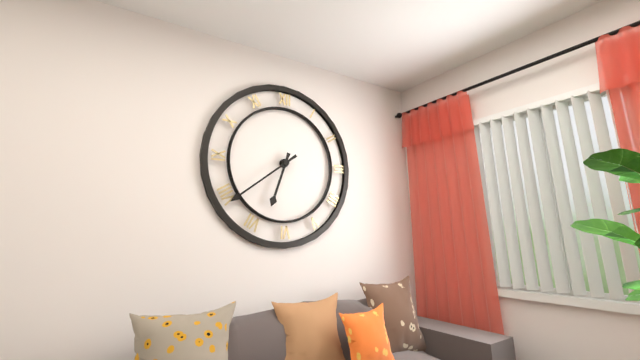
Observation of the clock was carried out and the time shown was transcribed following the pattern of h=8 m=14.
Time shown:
h=6 m=39
